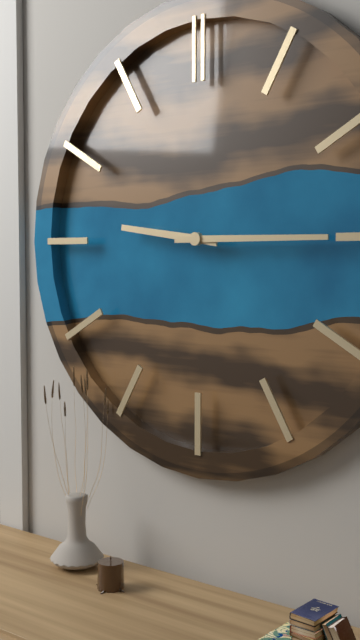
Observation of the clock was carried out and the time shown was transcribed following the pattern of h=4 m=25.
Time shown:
h=9 m=15
